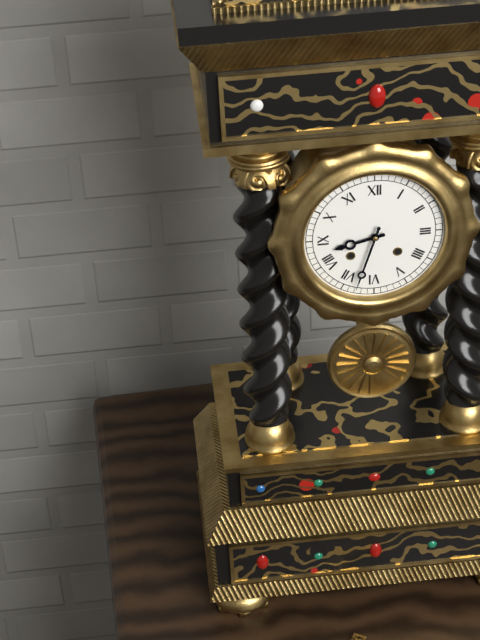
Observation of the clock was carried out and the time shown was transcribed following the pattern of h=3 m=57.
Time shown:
h=8 m=33
